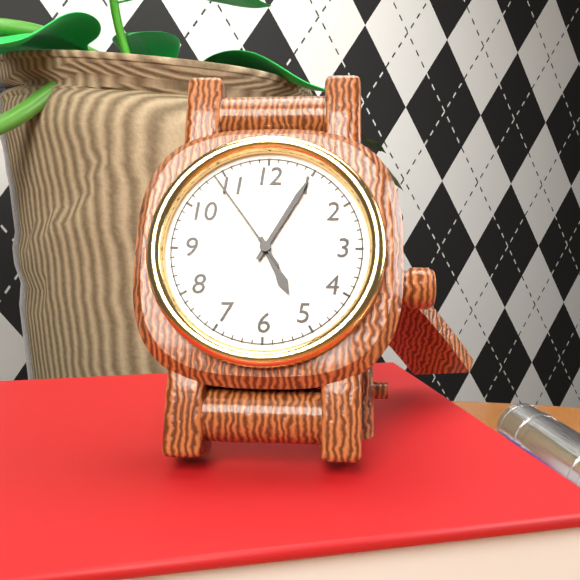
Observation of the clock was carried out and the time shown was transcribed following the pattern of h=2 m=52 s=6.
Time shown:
h=5 m=5 s=54
